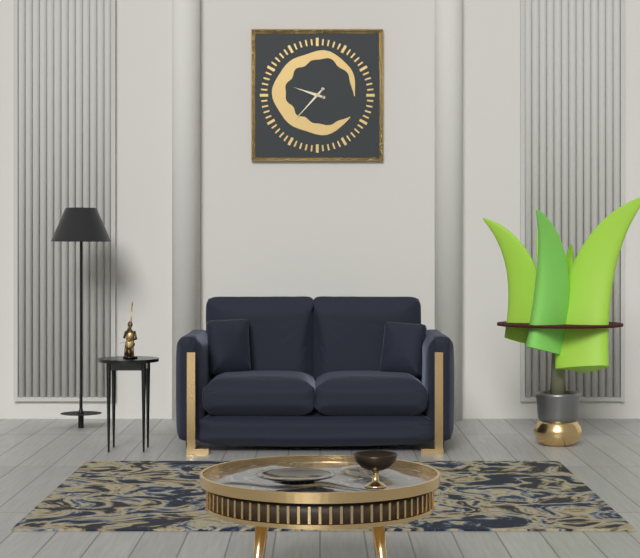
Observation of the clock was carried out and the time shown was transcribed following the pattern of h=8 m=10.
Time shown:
h=9 m=37
